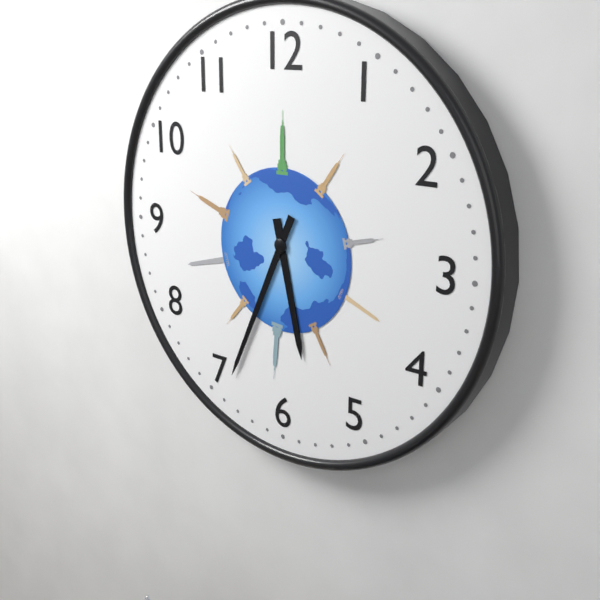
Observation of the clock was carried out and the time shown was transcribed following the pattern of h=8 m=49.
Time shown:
h=5 m=34
